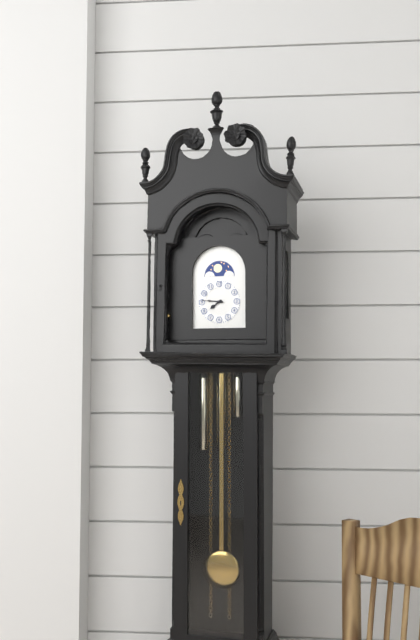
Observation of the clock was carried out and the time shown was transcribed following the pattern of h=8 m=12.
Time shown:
h=7 m=46
